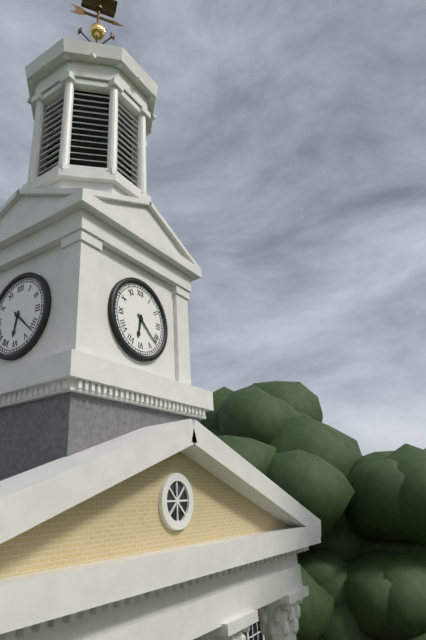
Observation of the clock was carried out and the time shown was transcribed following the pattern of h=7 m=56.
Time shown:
h=6 m=22
